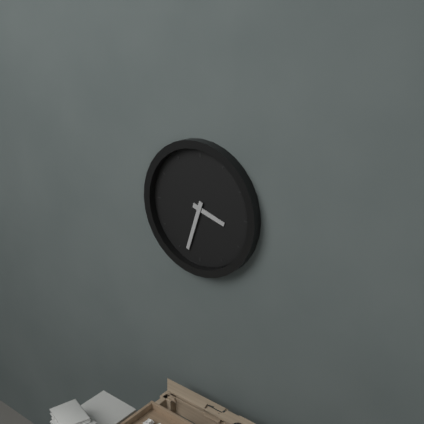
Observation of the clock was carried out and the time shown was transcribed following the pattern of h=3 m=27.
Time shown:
h=3 m=33
